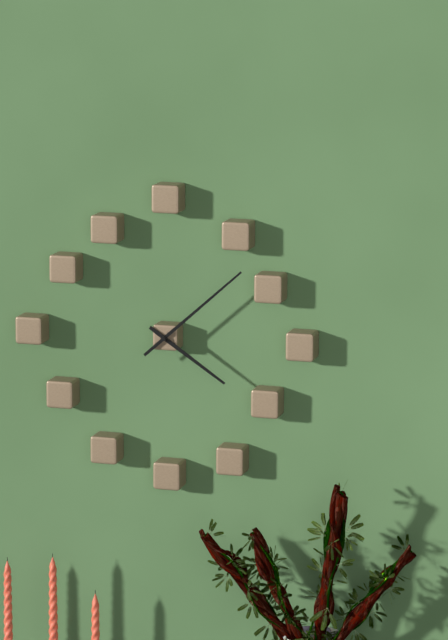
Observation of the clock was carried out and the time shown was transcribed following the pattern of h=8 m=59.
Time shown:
h=4 m=8
